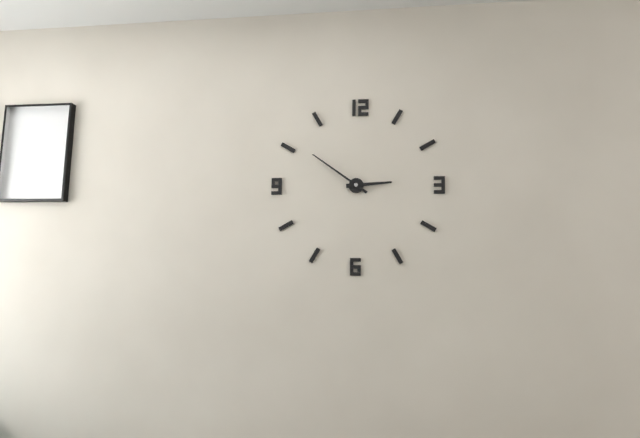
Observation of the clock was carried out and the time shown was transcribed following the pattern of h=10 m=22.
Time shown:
h=2 m=51
